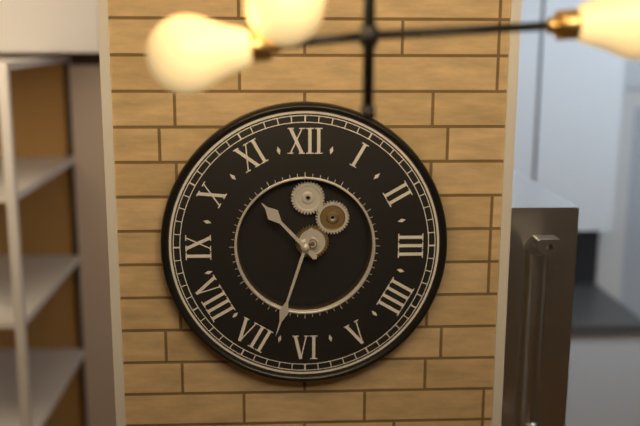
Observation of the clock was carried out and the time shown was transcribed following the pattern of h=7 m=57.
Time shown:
h=10 m=33
